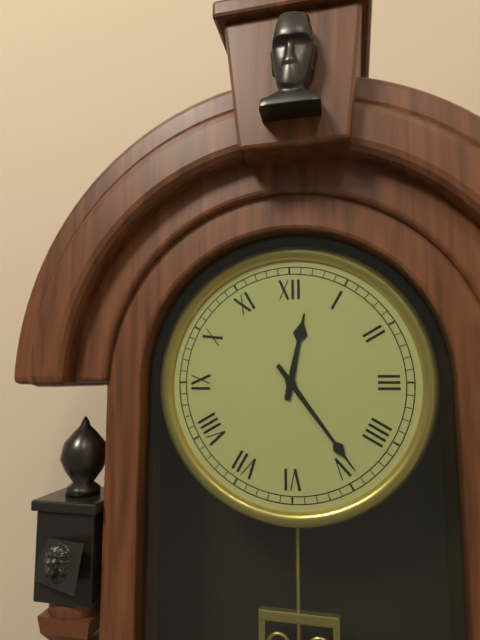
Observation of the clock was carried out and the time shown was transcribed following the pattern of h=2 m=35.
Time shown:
h=12 m=24
